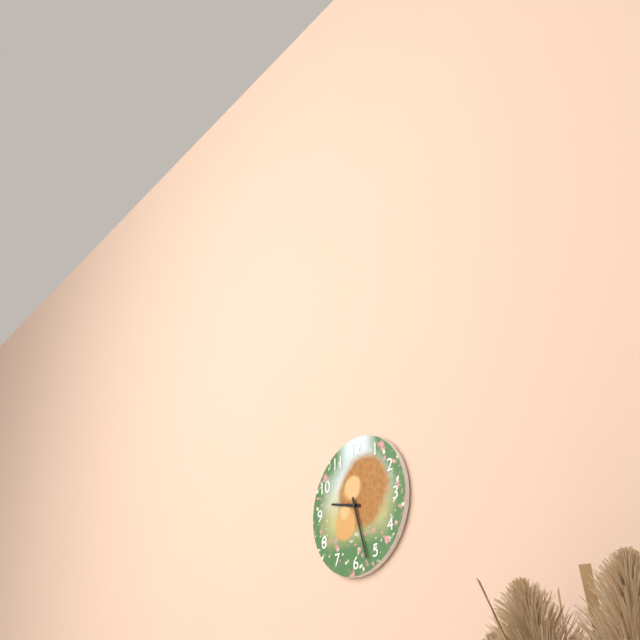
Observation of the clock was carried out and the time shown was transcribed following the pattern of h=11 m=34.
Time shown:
h=9 m=27
